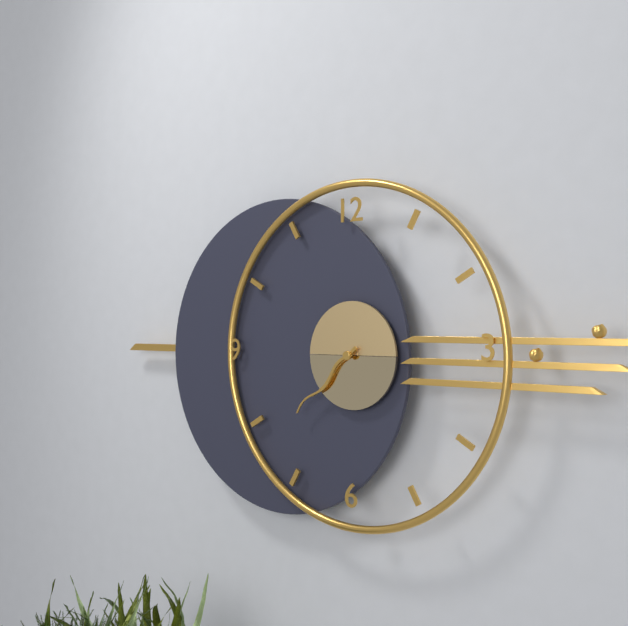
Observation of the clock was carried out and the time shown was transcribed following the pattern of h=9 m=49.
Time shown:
h=7 m=38
